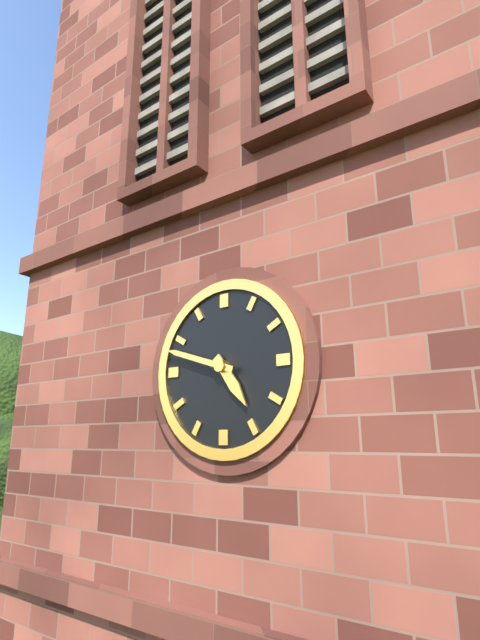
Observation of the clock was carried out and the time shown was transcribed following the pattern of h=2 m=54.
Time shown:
h=4 m=48
